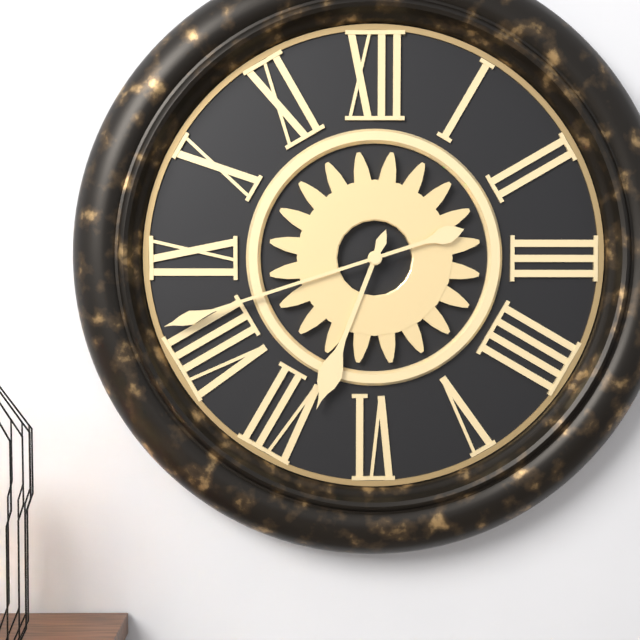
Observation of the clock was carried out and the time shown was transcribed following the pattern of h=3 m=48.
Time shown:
h=6 m=42
